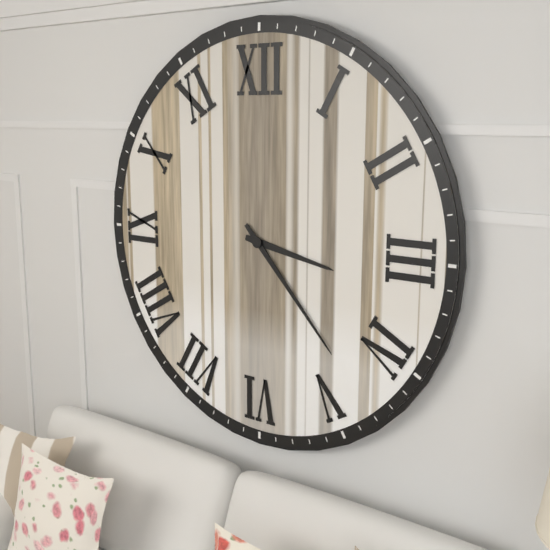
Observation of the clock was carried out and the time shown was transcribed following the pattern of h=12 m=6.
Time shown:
h=3 m=23
